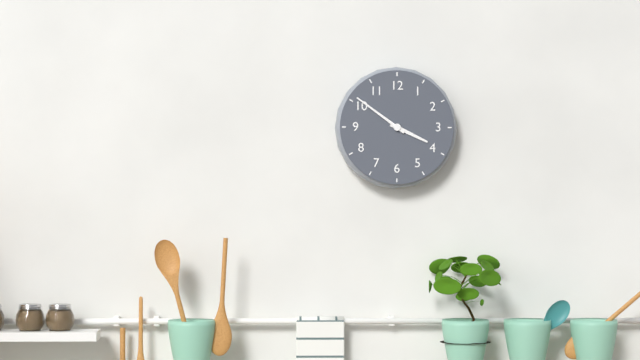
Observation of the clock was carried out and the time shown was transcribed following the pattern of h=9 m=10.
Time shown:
h=3 m=51
